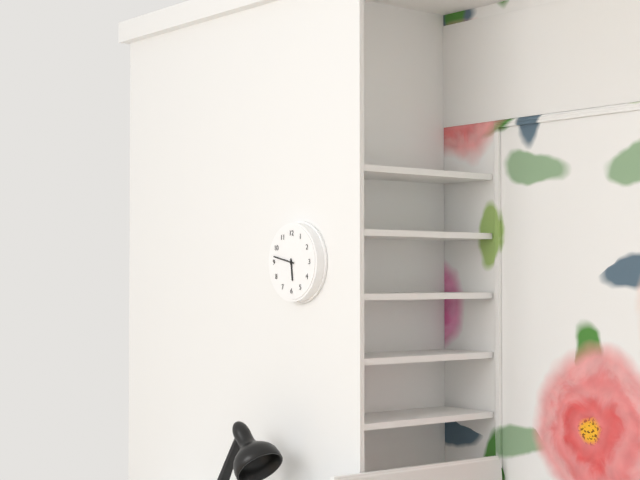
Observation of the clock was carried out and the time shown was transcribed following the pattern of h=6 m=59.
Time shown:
h=5 m=47
